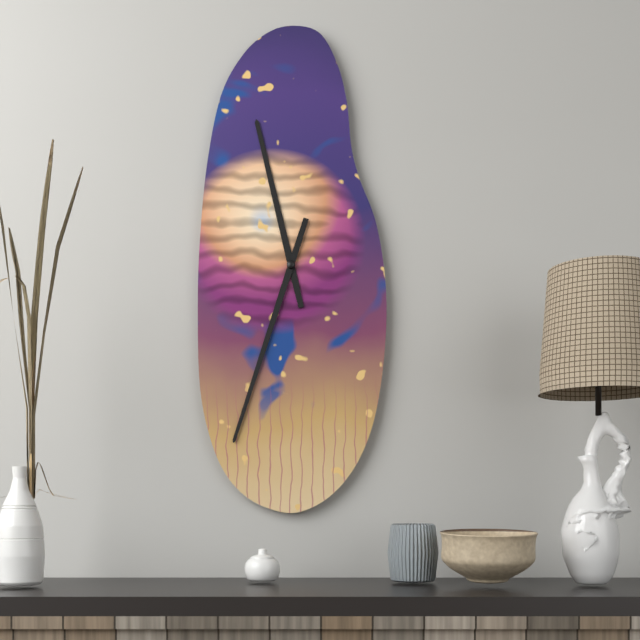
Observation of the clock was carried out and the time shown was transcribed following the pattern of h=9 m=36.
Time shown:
h=11 m=33
